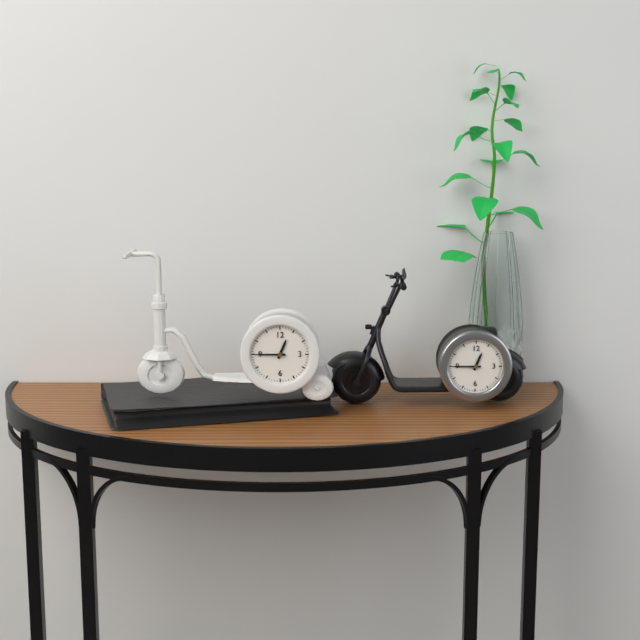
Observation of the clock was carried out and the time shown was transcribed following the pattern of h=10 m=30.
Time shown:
h=12 m=45
